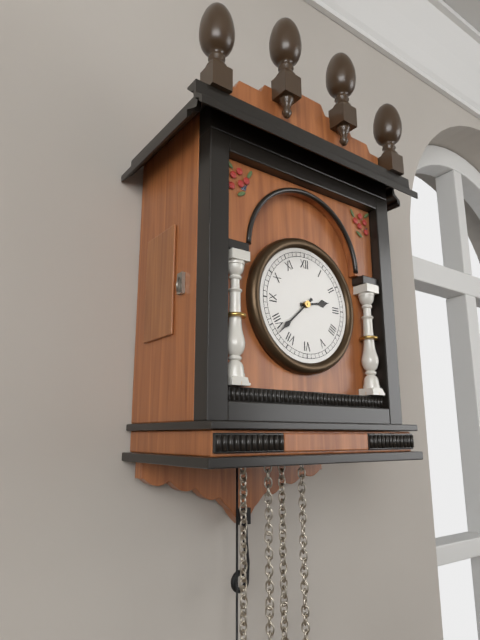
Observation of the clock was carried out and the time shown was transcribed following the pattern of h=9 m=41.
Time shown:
h=2 m=38
